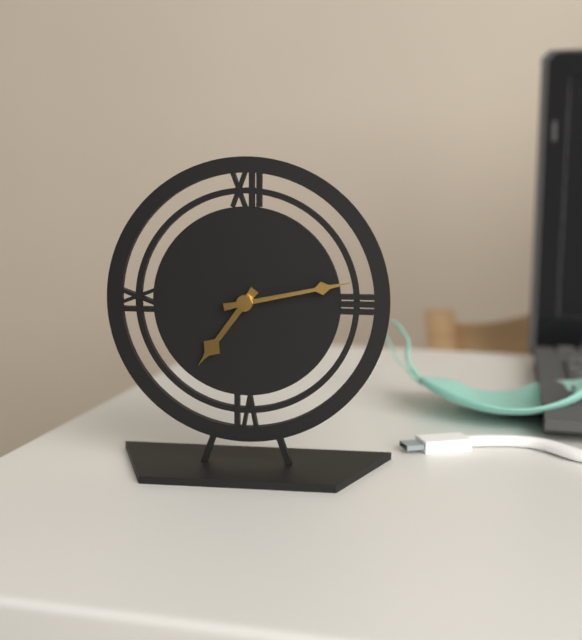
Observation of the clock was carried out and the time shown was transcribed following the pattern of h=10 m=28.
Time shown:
h=7 m=13
